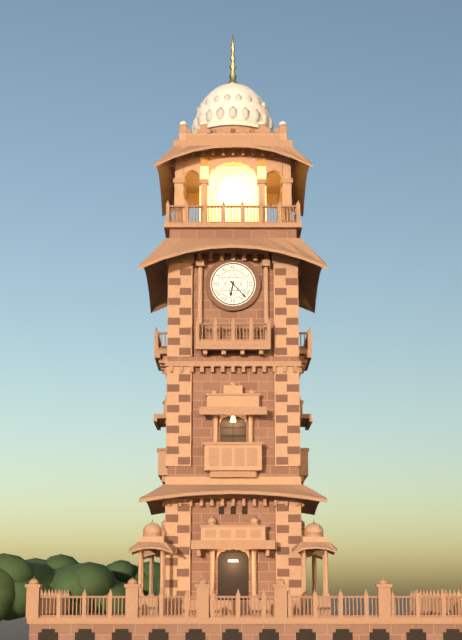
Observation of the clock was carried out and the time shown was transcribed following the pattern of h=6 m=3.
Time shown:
h=6 m=23
